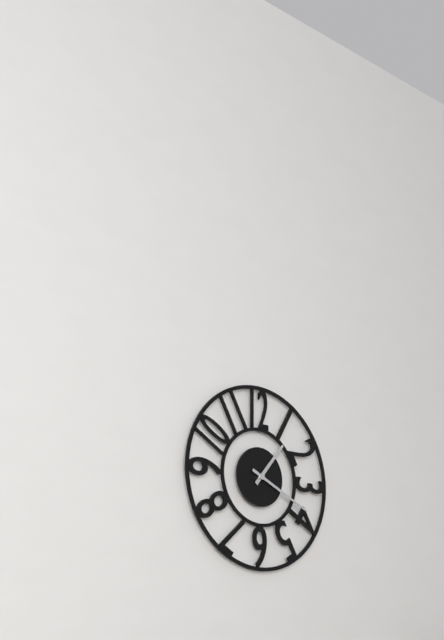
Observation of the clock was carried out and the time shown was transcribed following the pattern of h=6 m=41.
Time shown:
h=1 m=19
